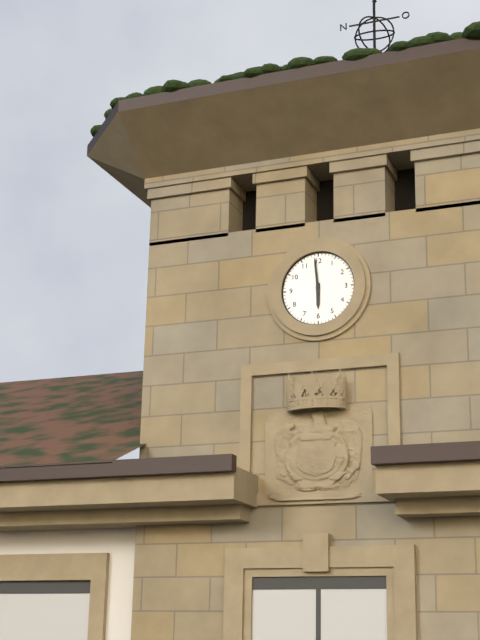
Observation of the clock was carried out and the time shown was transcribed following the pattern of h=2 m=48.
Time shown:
h=5 m=59
